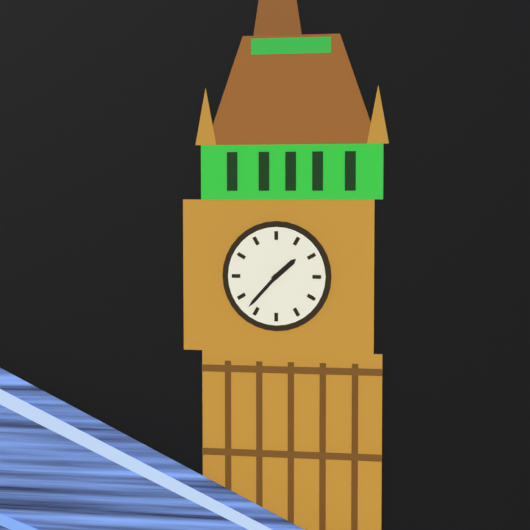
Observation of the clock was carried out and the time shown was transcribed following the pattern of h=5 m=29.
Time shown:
h=1 m=37
